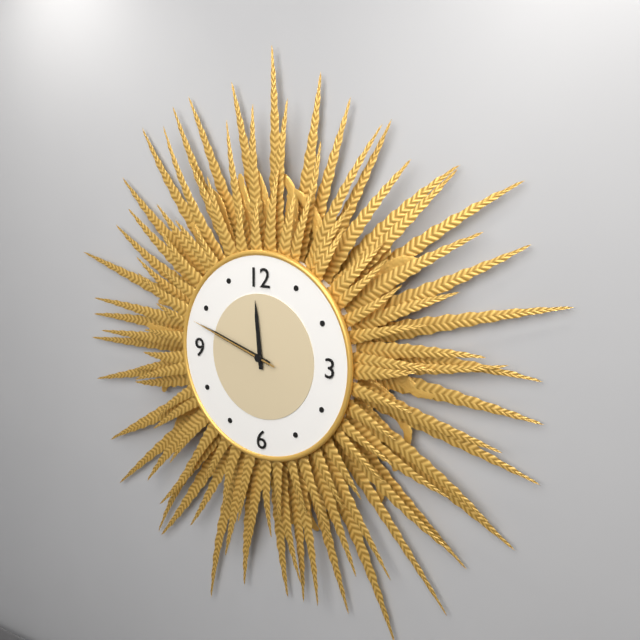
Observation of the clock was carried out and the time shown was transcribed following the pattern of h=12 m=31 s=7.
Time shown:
h=11 m=48 s=48
